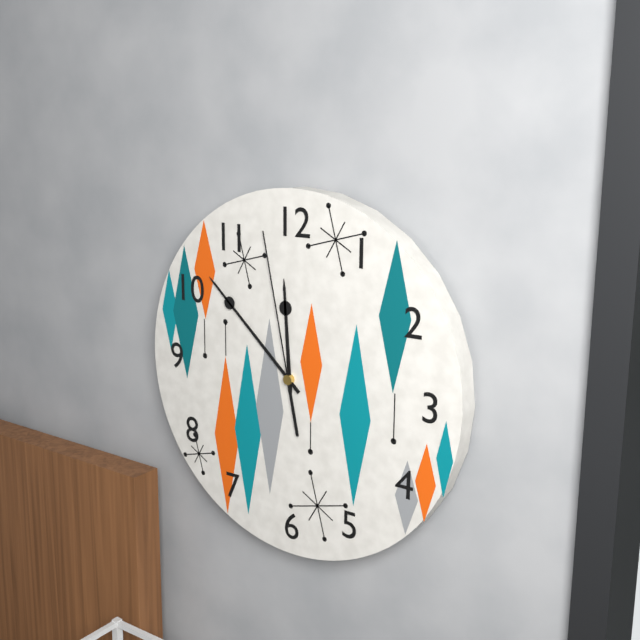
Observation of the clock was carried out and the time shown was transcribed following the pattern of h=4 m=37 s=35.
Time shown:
h=11 m=52 s=58
